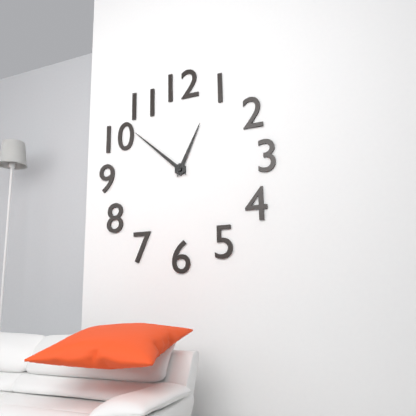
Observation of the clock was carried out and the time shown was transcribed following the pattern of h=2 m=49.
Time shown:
h=12 m=52
